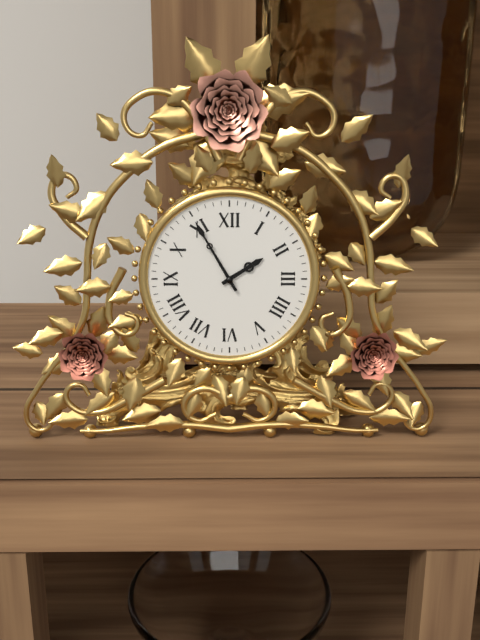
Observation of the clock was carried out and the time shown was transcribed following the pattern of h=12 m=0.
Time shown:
h=1 m=55
